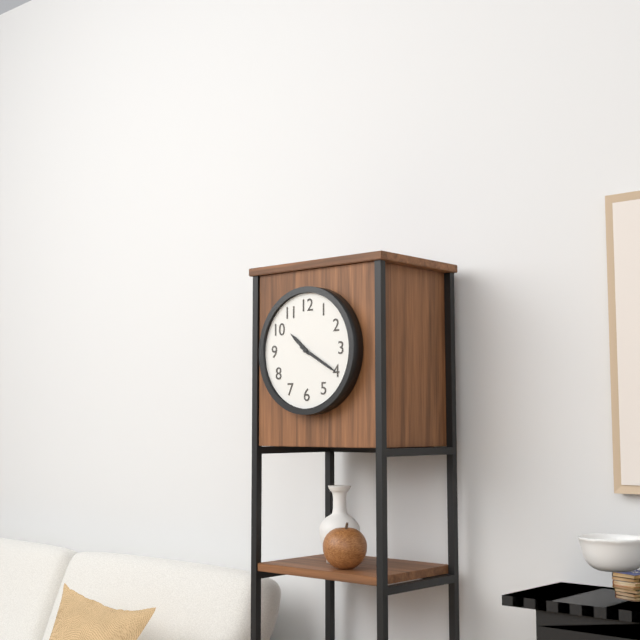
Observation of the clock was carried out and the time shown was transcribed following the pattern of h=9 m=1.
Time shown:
h=10 m=20
